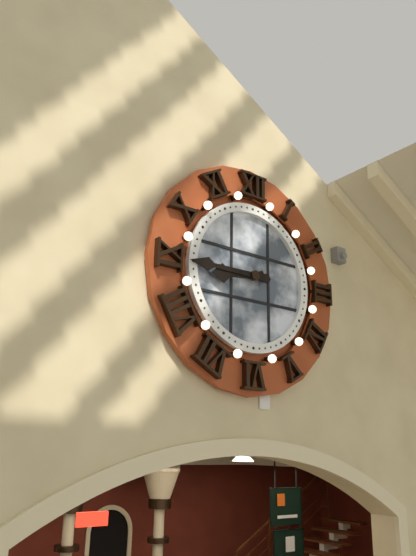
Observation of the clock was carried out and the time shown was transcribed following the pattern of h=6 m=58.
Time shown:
h=8 m=45
